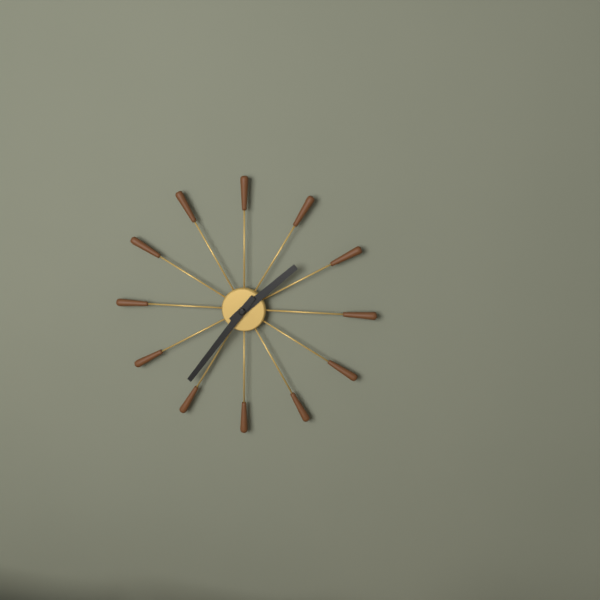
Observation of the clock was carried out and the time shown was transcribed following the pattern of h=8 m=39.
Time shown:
h=1 m=36
